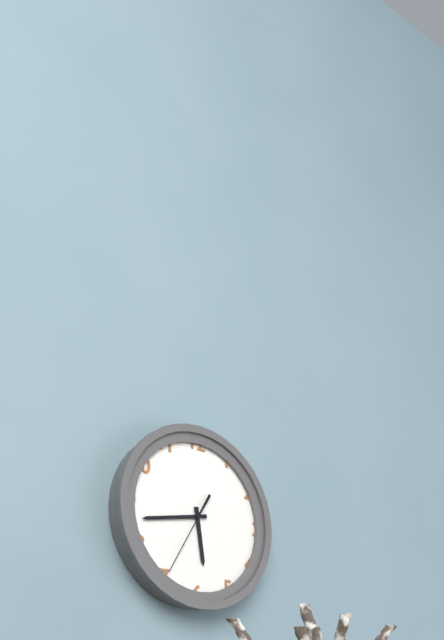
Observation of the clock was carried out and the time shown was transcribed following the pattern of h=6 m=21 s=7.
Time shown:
h=5 m=43 s=35
